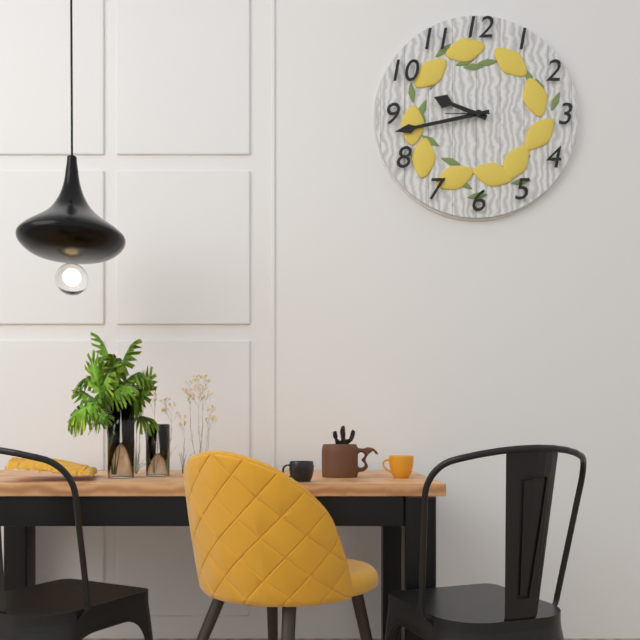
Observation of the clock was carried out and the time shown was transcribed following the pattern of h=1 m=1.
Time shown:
h=9 m=43
